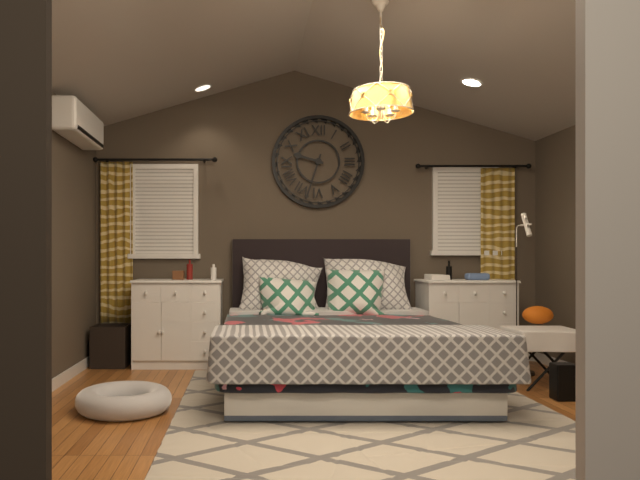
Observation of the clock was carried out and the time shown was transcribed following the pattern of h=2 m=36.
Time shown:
h=9 m=33
